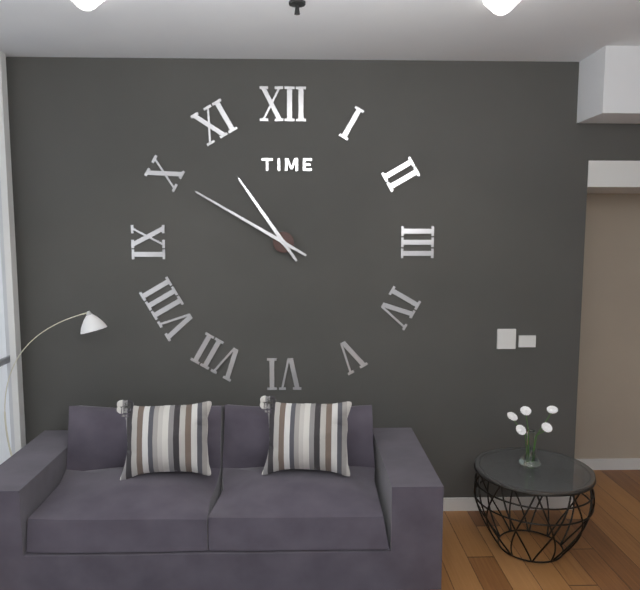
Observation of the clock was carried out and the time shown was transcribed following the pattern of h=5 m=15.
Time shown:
h=10 m=50
